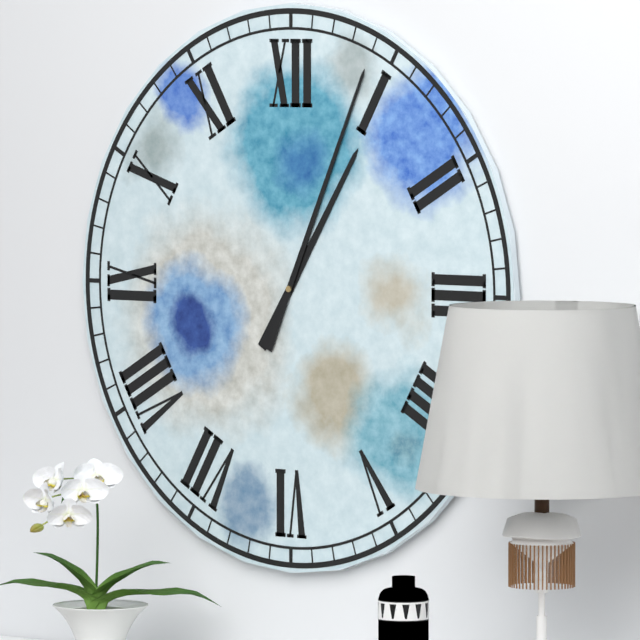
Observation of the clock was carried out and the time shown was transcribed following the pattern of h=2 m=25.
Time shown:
h=1 m=4
